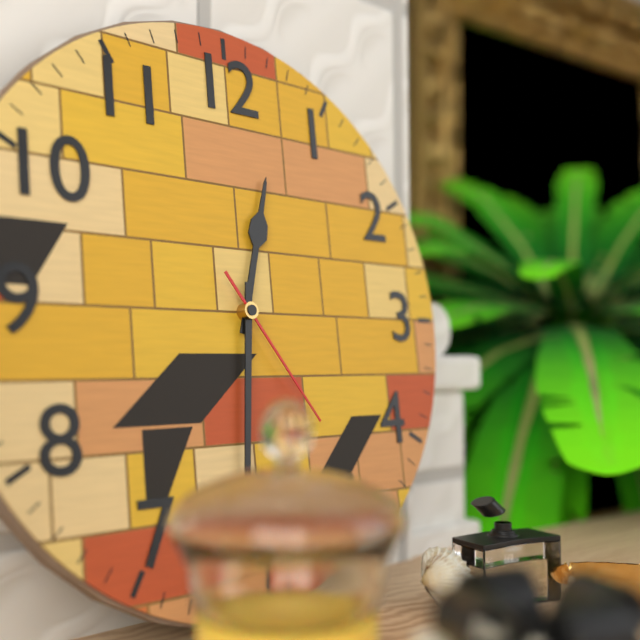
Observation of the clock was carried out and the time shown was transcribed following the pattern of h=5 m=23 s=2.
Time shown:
h=12 m=31 s=24
